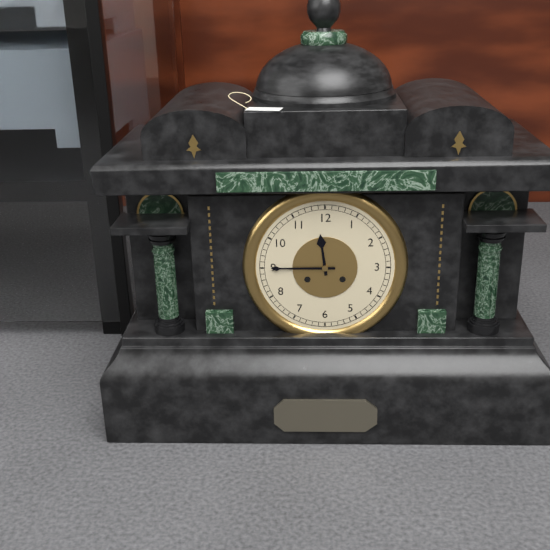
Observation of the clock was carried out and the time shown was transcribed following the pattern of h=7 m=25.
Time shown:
h=11 m=45
